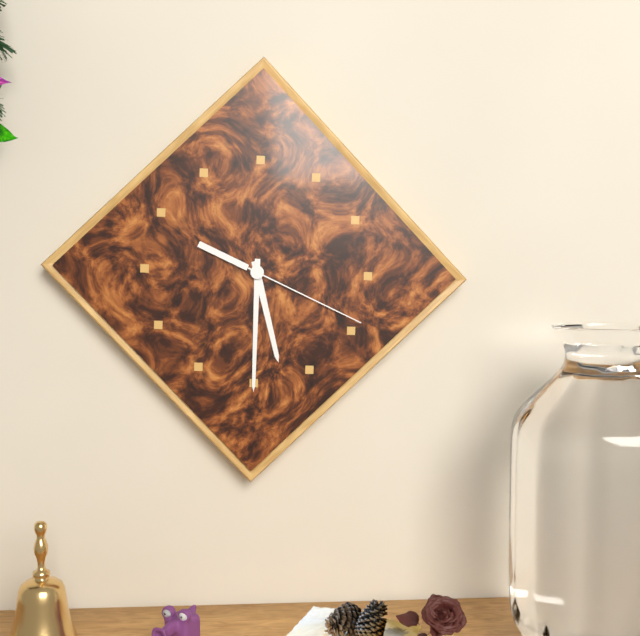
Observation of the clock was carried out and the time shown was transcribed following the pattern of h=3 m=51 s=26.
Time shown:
h=5 m=30 s=19
